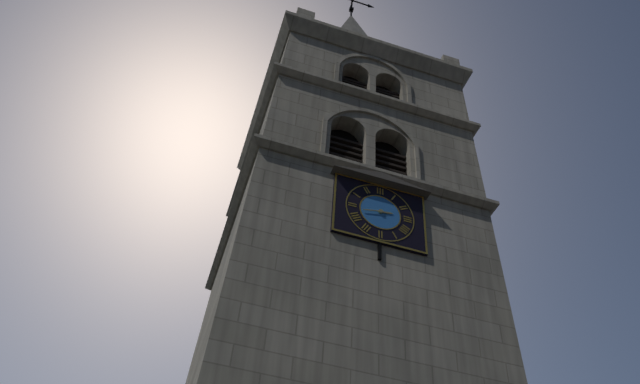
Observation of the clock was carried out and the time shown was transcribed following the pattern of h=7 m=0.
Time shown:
h=2 m=43
